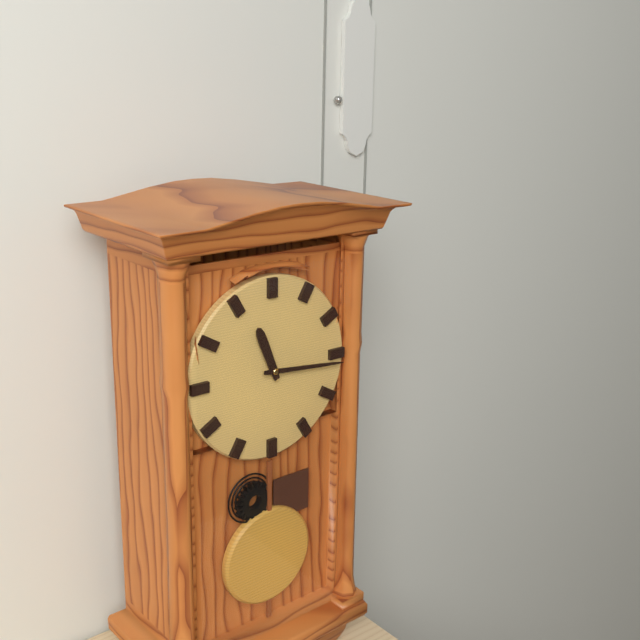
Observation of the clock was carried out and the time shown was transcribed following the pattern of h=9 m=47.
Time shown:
h=11 m=16
